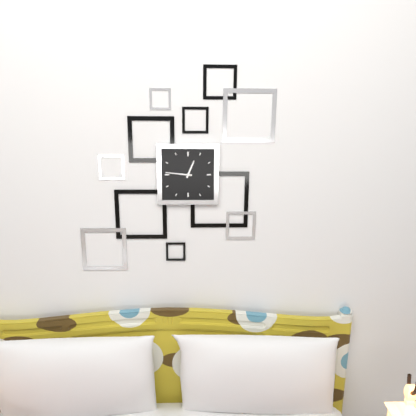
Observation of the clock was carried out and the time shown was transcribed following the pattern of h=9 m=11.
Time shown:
h=12 m=46
